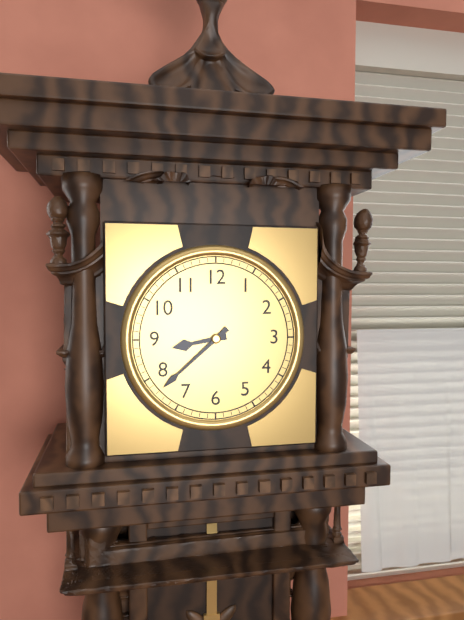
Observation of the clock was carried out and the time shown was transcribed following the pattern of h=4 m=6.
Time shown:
h=8 m=38
